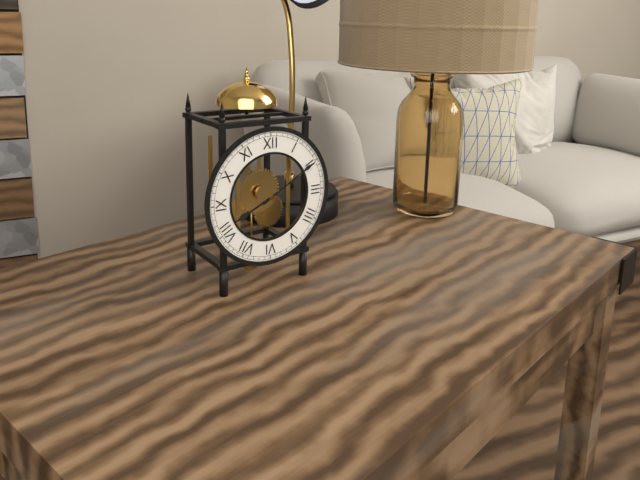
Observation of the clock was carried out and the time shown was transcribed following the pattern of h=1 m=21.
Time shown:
h=8 m=10
